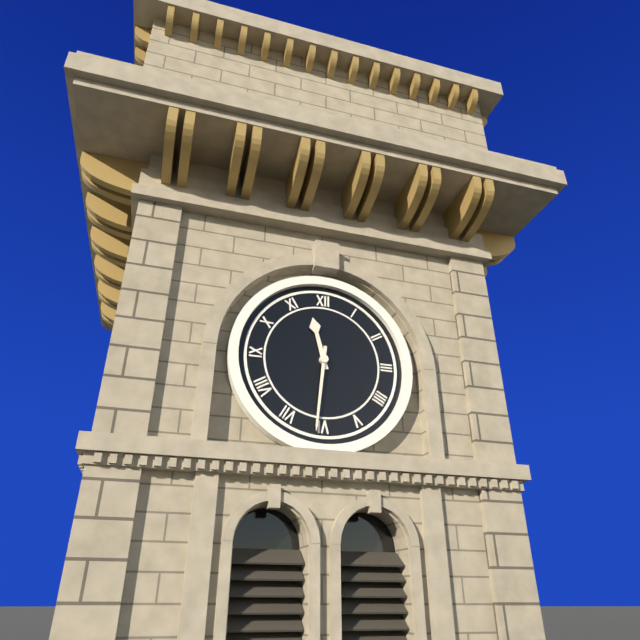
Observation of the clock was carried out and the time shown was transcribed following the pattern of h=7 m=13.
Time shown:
h=11 m=31
